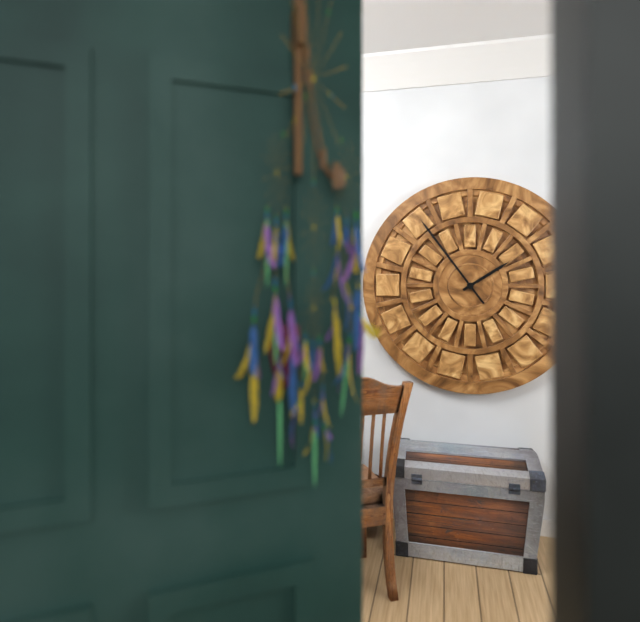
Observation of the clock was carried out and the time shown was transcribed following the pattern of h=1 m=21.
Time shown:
h=1 m=54
